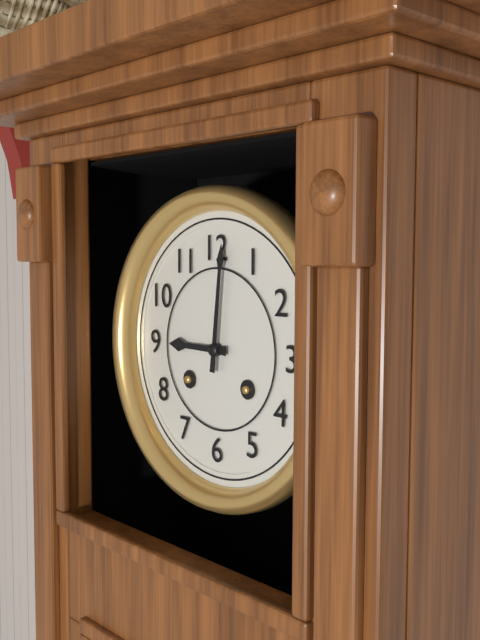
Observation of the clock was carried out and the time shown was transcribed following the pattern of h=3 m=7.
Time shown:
h=9 m=1
